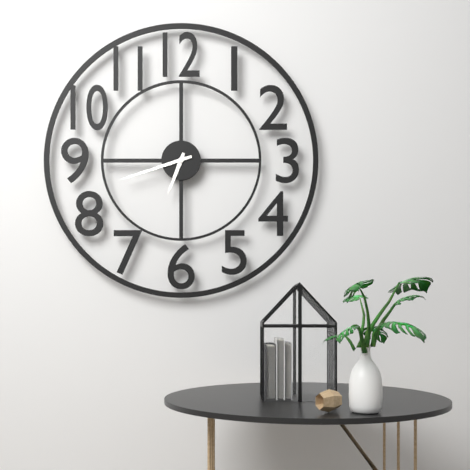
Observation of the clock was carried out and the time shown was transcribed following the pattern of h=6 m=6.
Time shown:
h=6 m=42
